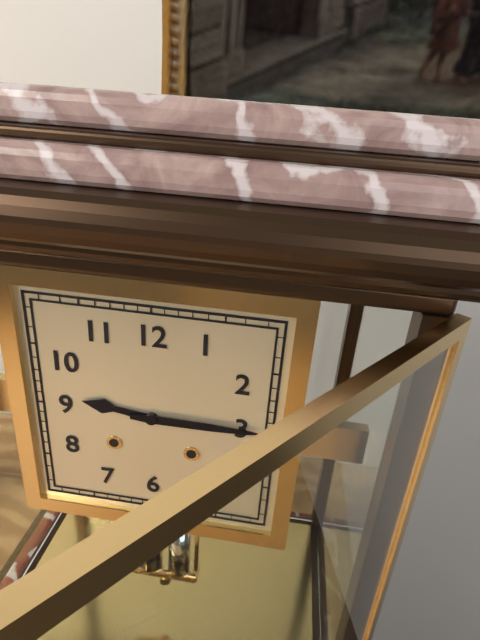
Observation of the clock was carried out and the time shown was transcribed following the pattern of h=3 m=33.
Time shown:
h=9 m=15
